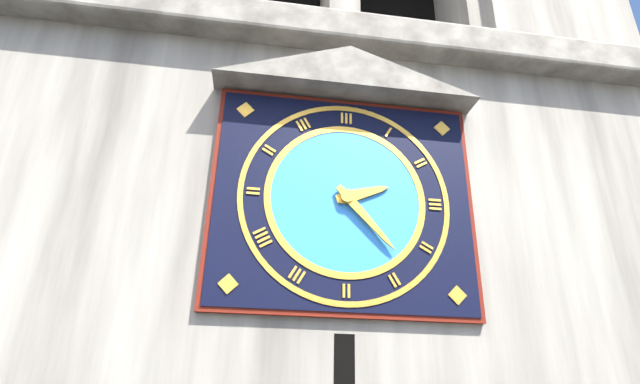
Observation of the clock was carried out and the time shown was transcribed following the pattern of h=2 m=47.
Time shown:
h=2 m=23
